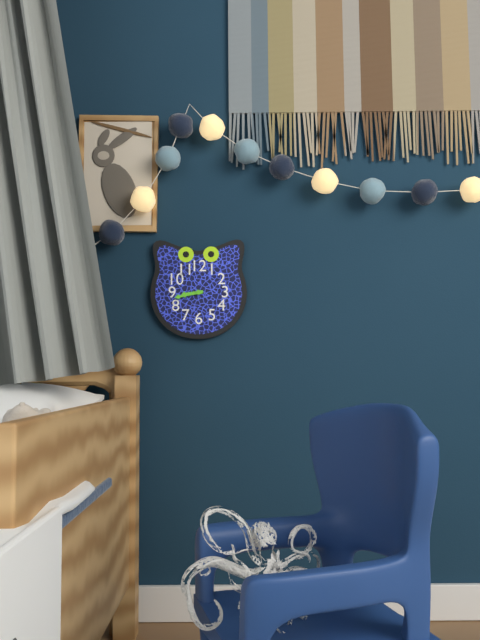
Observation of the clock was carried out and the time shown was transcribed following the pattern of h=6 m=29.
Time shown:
h=8 m=43
